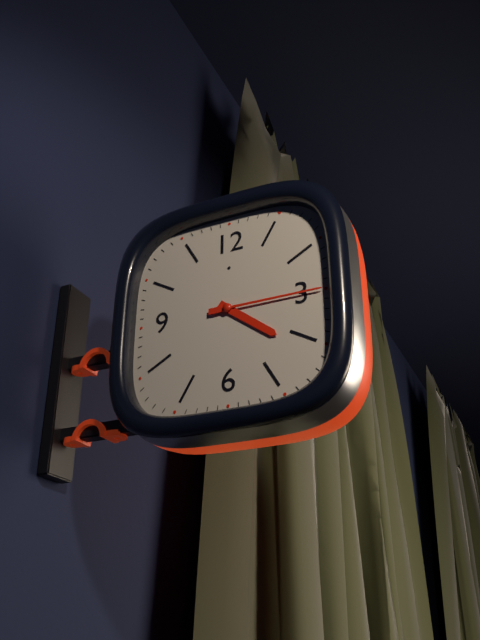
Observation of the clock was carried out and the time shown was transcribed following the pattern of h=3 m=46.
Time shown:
h=4 m=15
